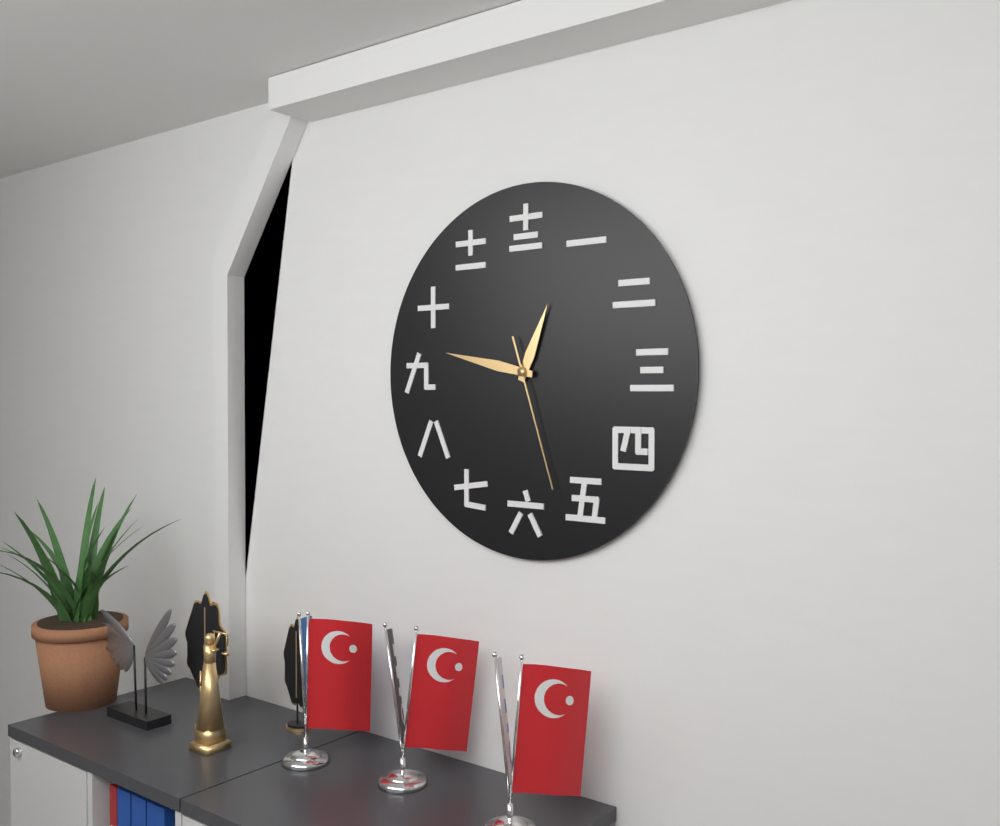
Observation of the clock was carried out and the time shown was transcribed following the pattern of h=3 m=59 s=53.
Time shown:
h=12 m=47 s=27
